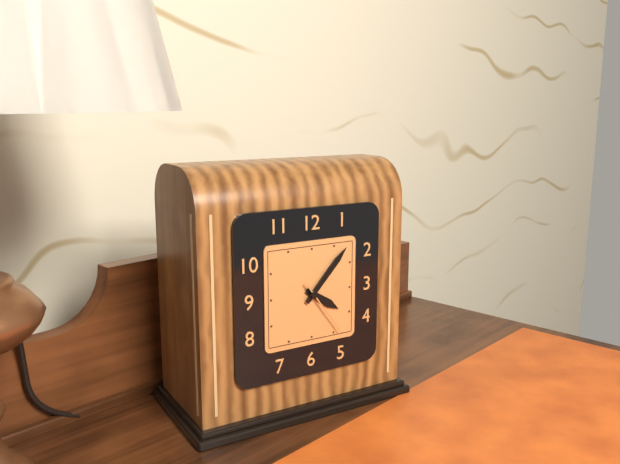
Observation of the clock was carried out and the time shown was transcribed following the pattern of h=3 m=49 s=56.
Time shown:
h=4 m=7 s=24
